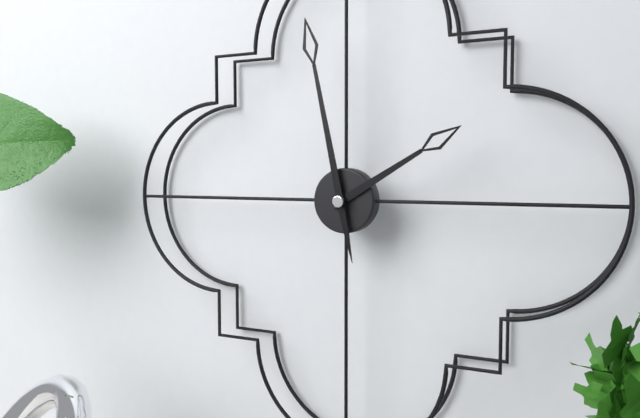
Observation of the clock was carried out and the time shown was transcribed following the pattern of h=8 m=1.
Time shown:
h=1 m=58
